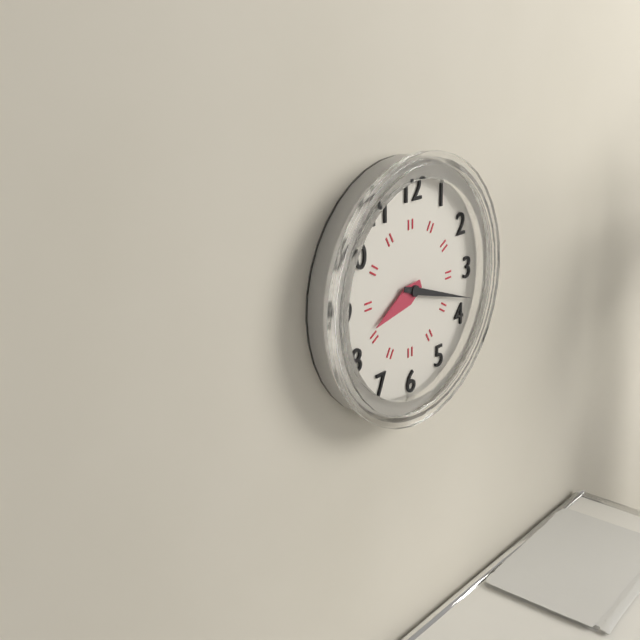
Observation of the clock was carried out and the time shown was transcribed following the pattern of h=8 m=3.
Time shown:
h=8 m=18
